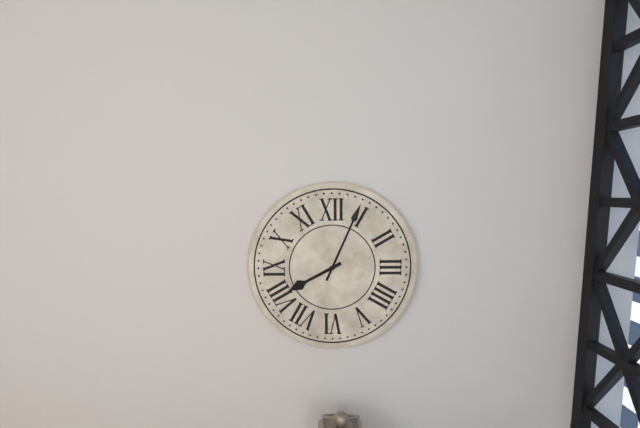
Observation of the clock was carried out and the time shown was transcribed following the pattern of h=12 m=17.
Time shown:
h=8 m=4
